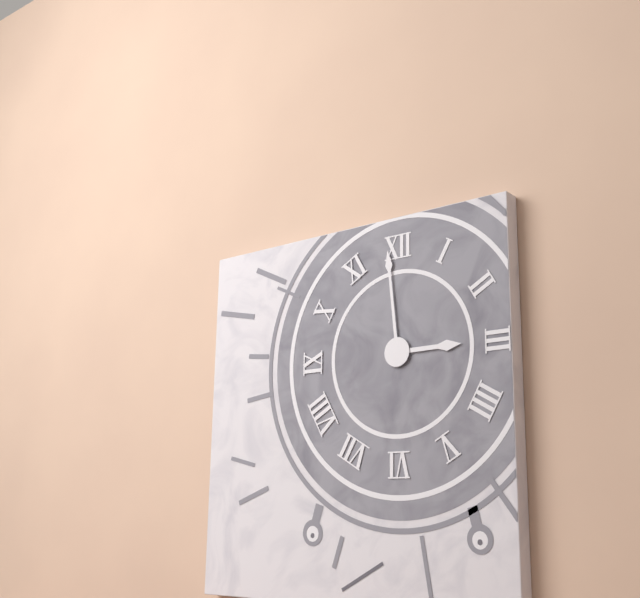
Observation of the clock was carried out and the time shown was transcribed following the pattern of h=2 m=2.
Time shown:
h=2 m=59
